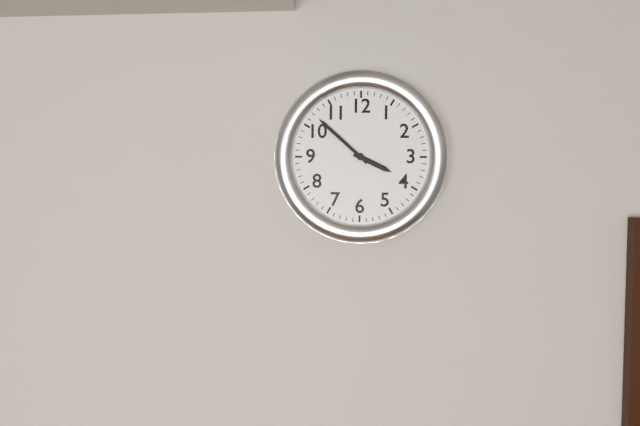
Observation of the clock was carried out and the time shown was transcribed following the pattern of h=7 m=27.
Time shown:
h=3 m=52
